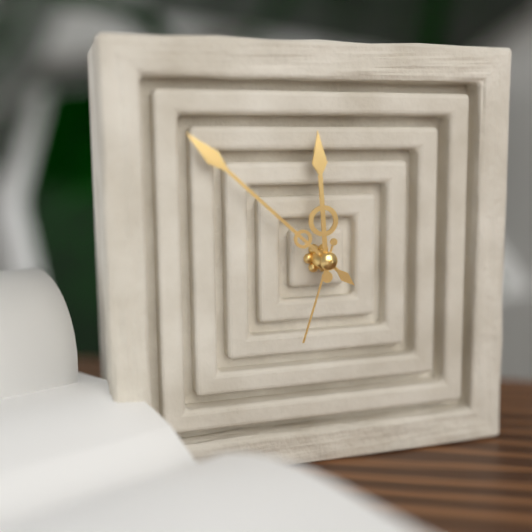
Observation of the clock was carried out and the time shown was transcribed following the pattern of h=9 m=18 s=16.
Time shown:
h=11 m=52 s=33
